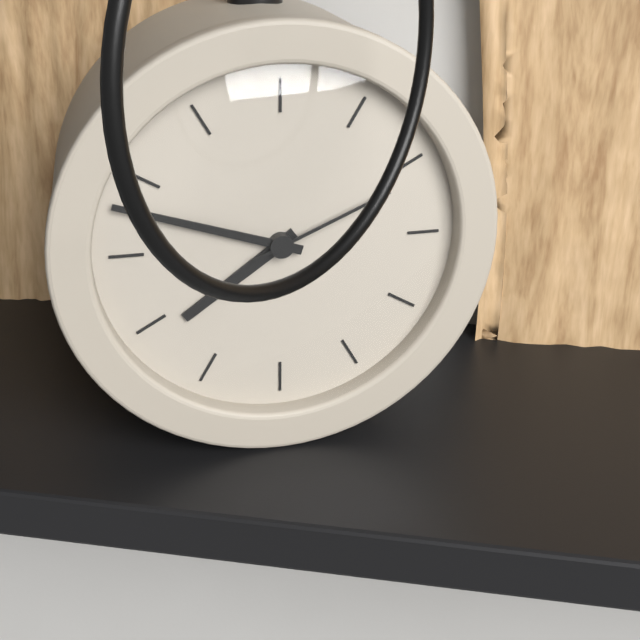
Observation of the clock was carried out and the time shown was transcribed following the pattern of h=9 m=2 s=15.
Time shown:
h=7 m=48 s=11
